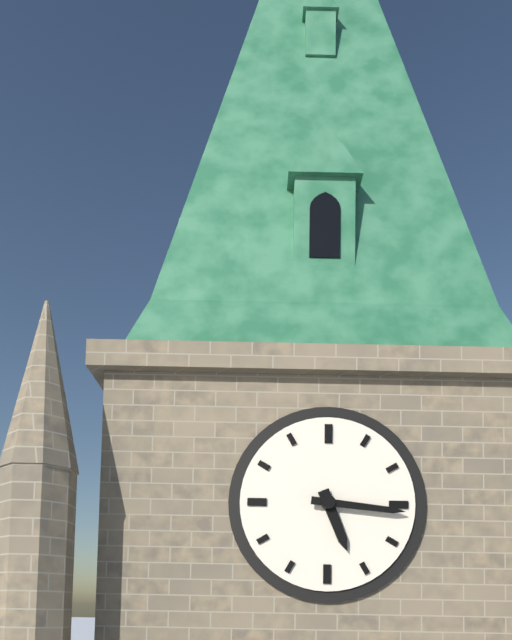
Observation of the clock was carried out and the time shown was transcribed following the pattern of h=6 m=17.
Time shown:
h=5 m=16
